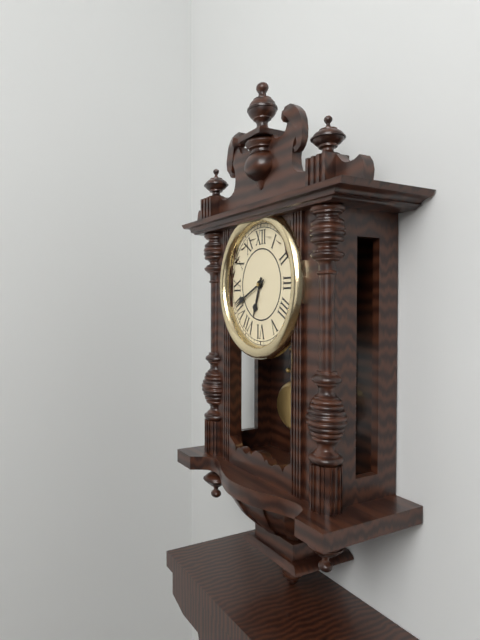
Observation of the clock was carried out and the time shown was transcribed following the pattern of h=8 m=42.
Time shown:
h=6 m=41
